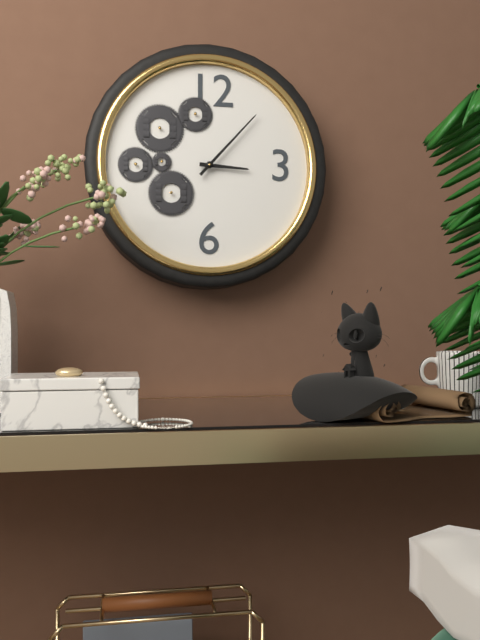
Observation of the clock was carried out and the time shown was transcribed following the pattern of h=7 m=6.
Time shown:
h=3 m=7
